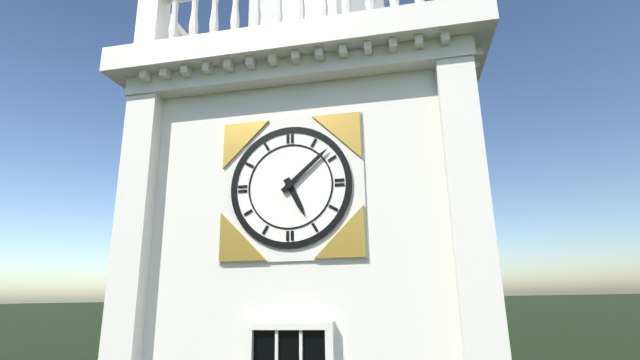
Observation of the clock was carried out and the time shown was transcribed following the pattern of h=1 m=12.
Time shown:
h=5 m=8
